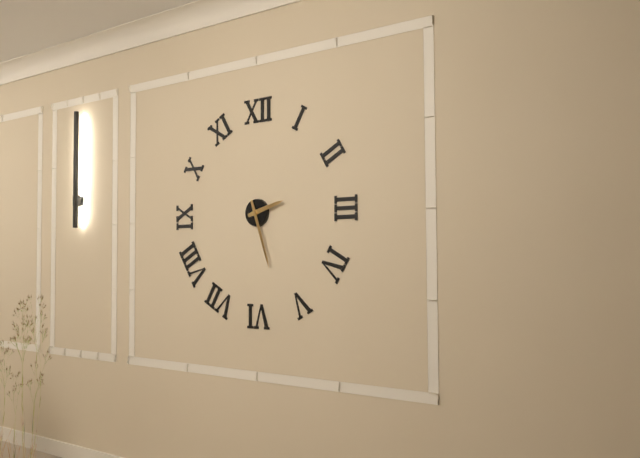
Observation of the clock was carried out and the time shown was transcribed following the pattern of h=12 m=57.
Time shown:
h=2 m=27
